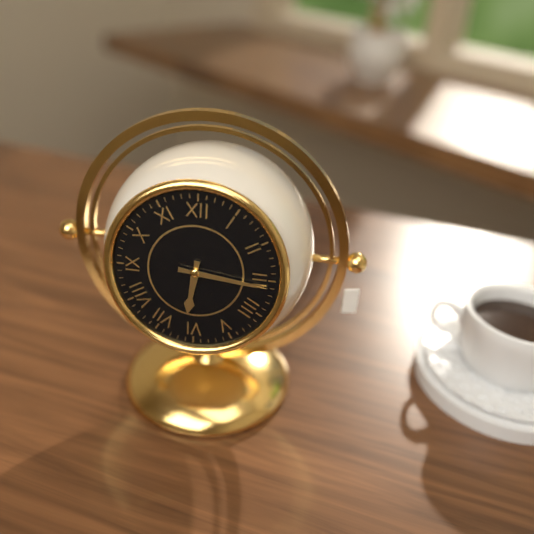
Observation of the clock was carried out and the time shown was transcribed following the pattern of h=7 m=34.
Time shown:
h=6 m=16
